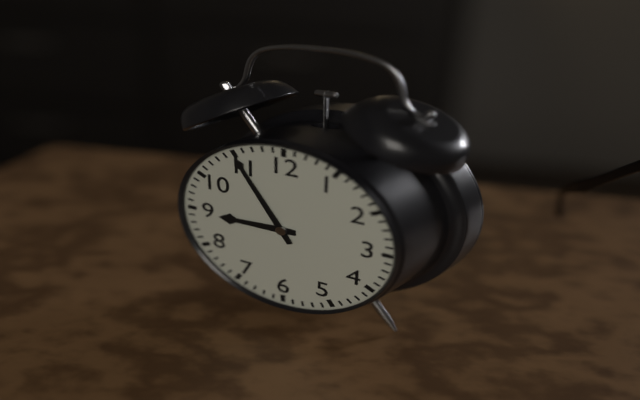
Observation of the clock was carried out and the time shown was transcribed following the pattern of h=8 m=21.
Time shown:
h=8 m=55
